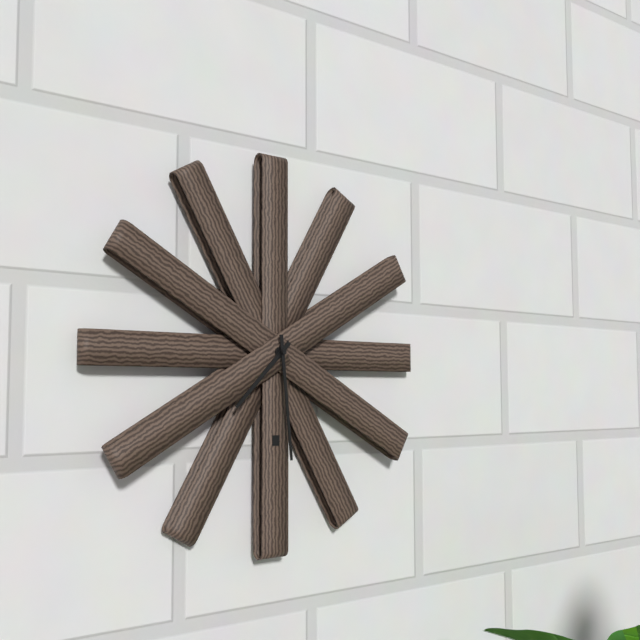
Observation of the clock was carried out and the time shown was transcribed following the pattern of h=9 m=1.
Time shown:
h=7 m=29
